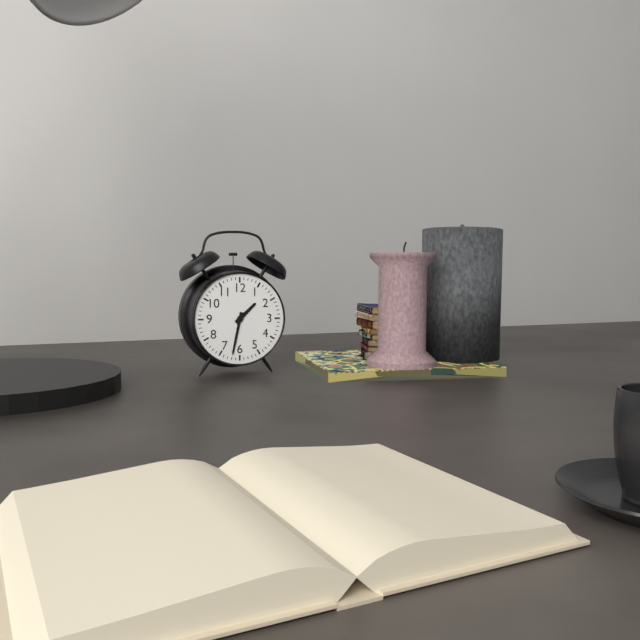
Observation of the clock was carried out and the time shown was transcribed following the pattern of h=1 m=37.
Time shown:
h=1 m=32
